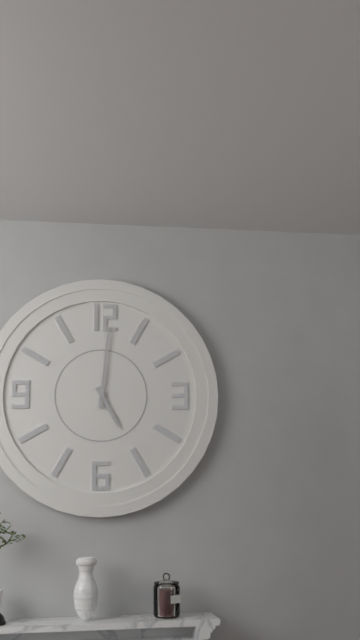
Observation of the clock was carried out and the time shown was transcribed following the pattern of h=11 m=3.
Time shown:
h=5 m=1
